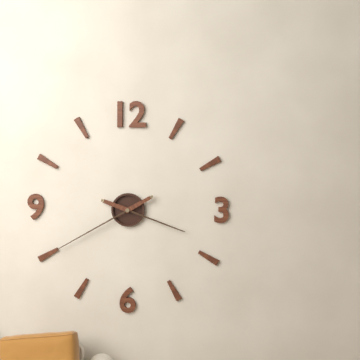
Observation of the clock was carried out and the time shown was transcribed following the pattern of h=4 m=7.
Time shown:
h=3 m=40
